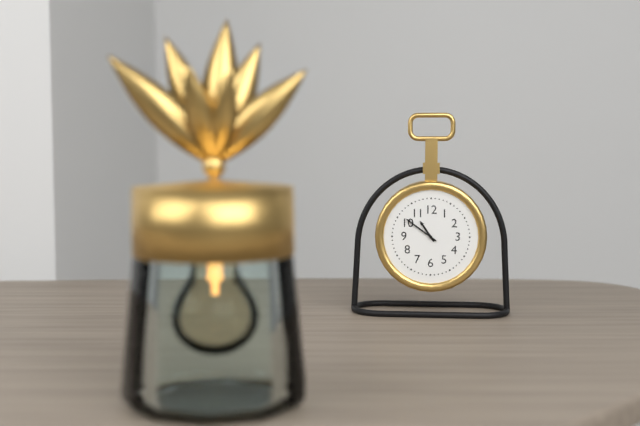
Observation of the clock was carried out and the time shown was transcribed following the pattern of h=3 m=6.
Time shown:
h=10 m=51
